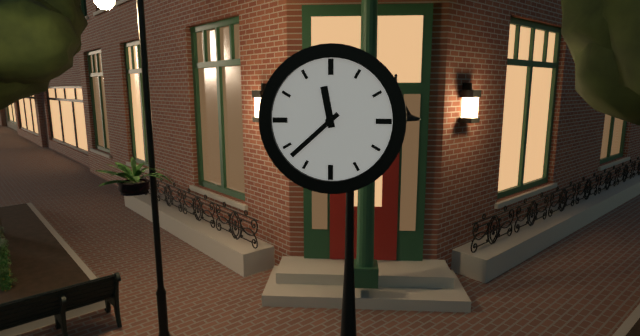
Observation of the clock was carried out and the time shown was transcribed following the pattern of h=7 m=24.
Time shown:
h=11 m=38
